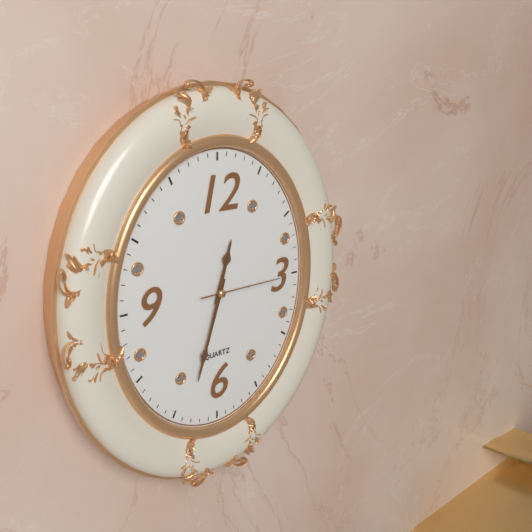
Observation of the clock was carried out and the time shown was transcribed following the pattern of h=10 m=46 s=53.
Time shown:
h=12 m=33 s=15
